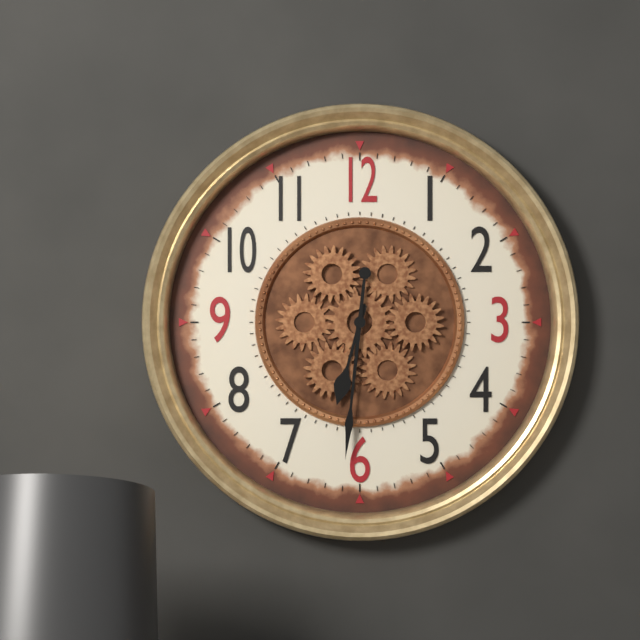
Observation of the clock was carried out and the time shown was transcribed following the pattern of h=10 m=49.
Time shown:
h=6 m=31
